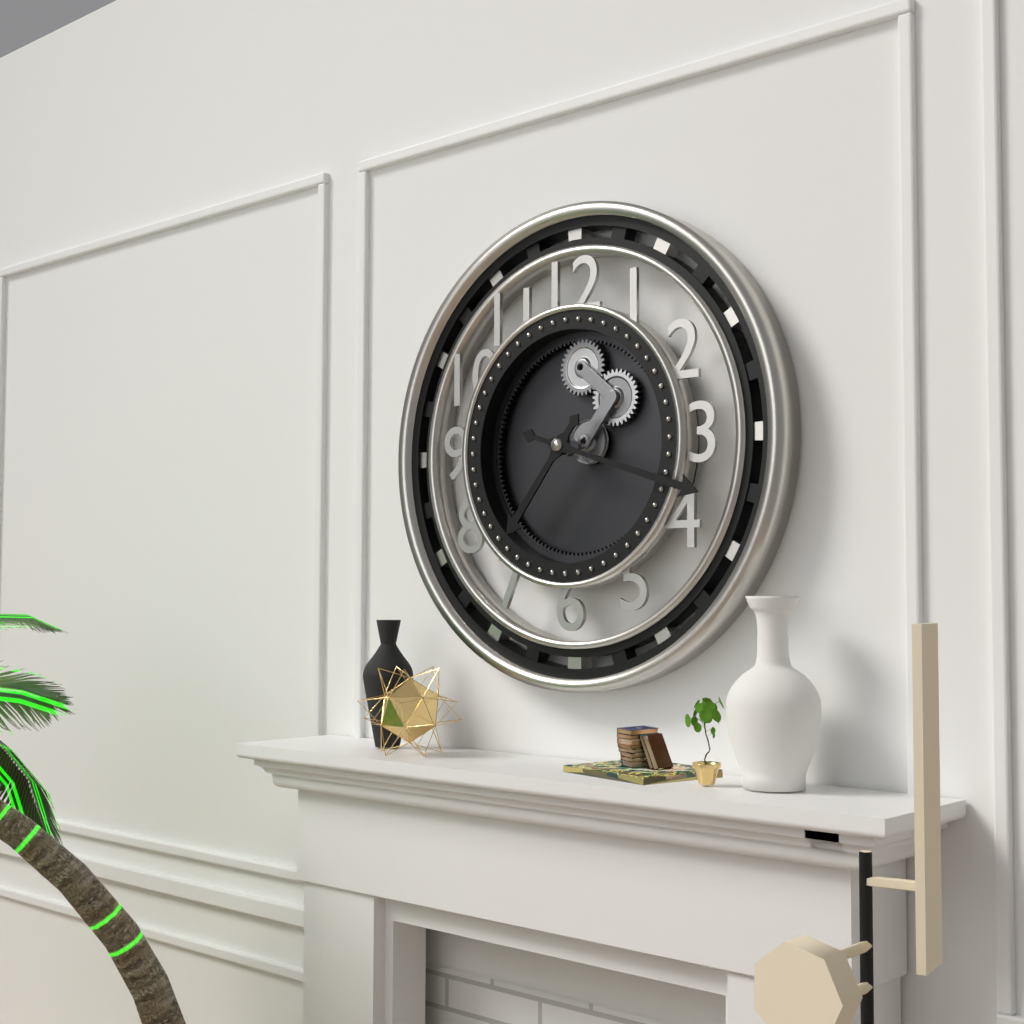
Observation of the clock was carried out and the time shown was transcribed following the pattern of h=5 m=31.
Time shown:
h=7 m=18
